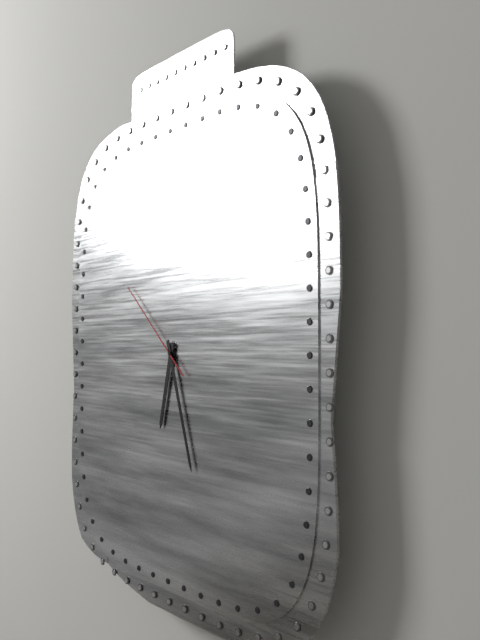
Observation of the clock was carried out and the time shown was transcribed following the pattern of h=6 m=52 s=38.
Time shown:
h=6 m=27 s=52
